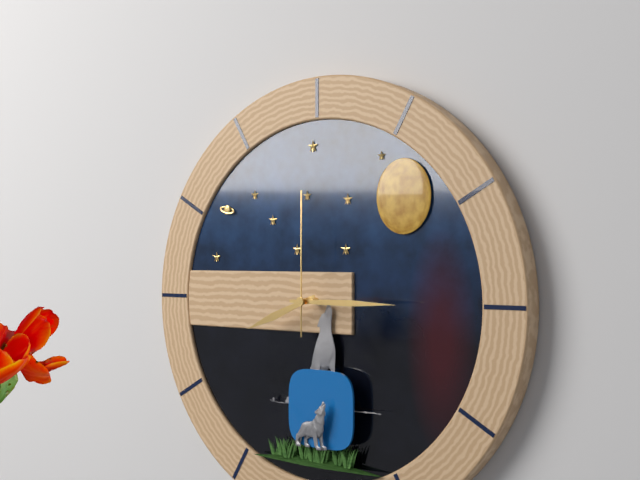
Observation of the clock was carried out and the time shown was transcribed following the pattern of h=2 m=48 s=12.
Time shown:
h=8 m=15 s=0
